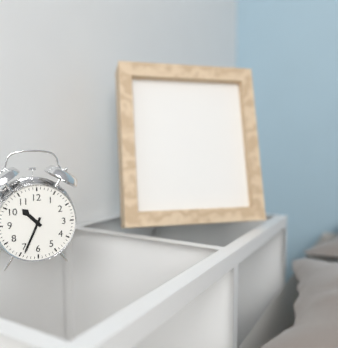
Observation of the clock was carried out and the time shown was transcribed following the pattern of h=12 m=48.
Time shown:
h=10 m=34
